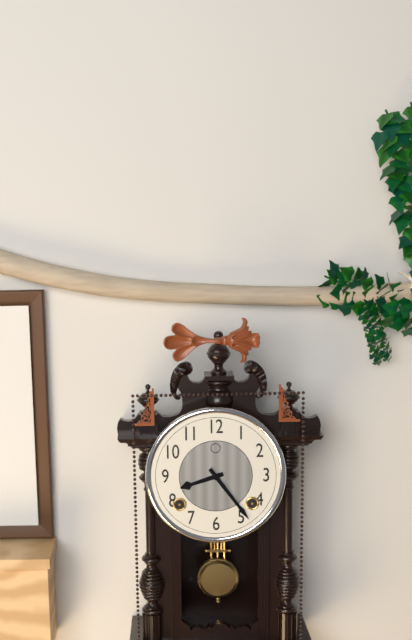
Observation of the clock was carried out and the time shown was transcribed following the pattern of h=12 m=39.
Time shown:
h=8 m=24
